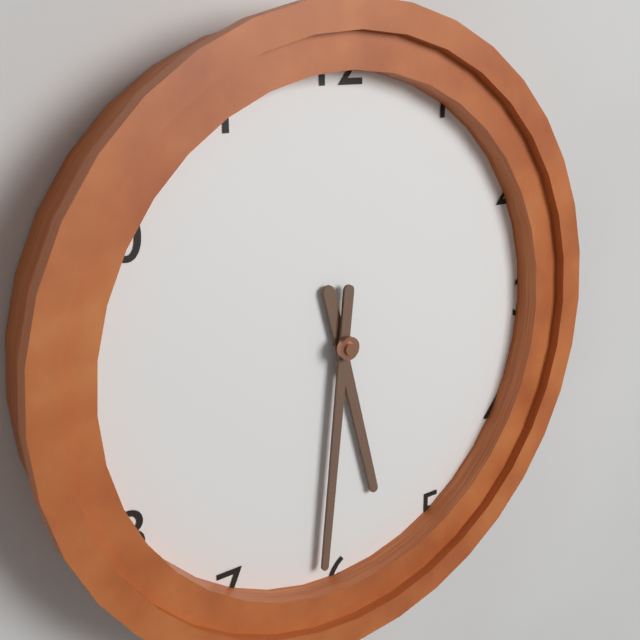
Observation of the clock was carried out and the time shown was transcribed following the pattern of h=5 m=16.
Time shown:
h=5 m=31
